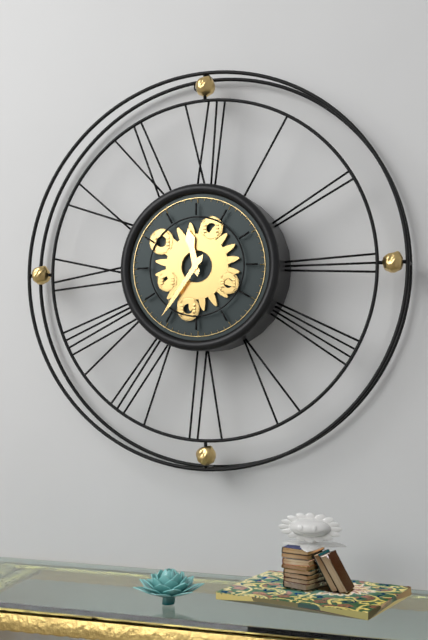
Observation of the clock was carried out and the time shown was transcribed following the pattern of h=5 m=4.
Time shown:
h=11 m=36
